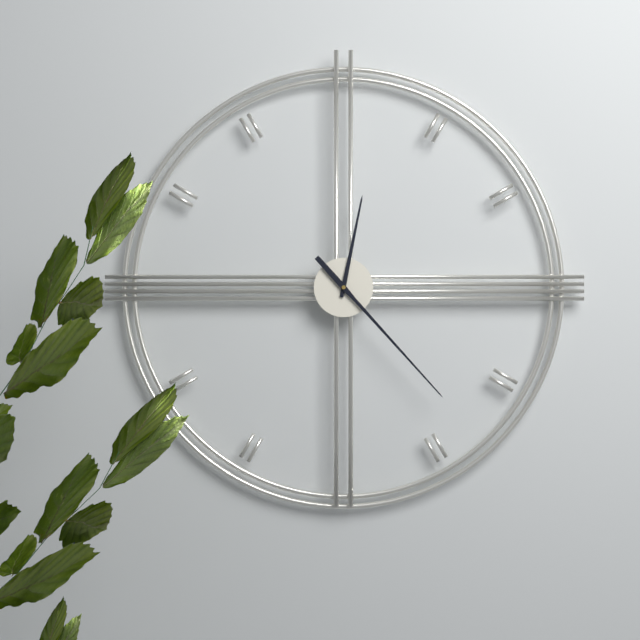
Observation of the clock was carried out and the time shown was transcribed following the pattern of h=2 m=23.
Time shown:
h=12 m=23
